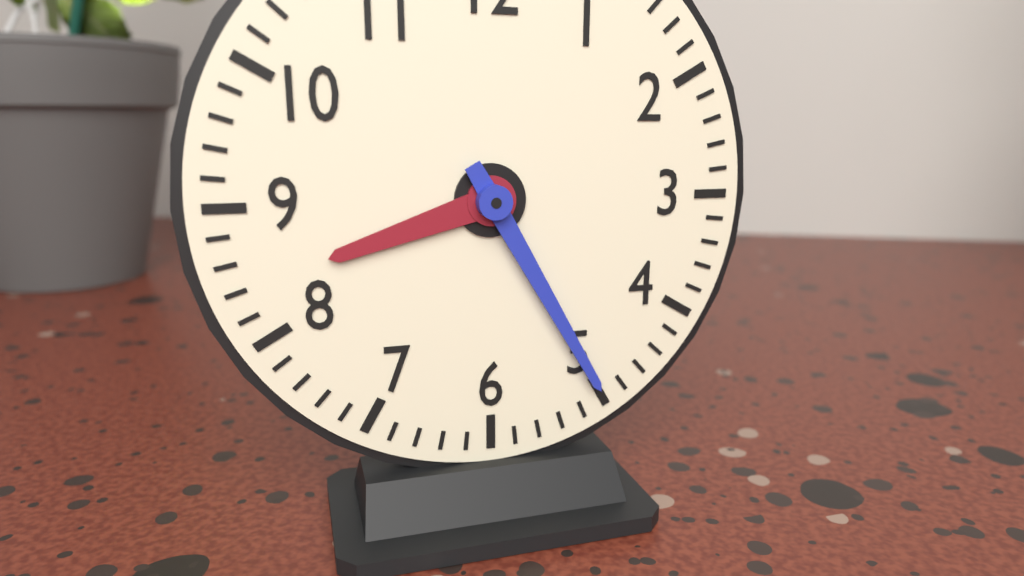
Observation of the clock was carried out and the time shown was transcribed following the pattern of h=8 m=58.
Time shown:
h=8 m=25
